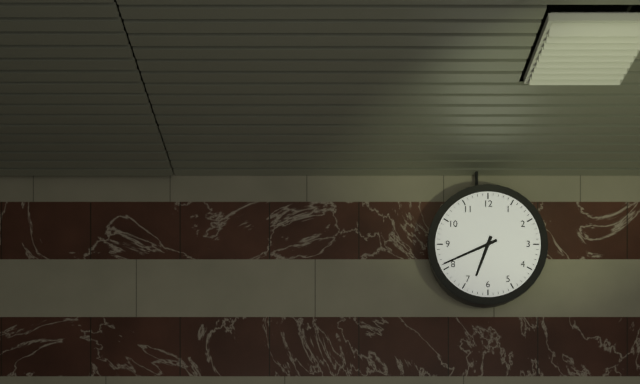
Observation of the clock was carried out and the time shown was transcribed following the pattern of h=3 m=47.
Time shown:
h=6 m=41
